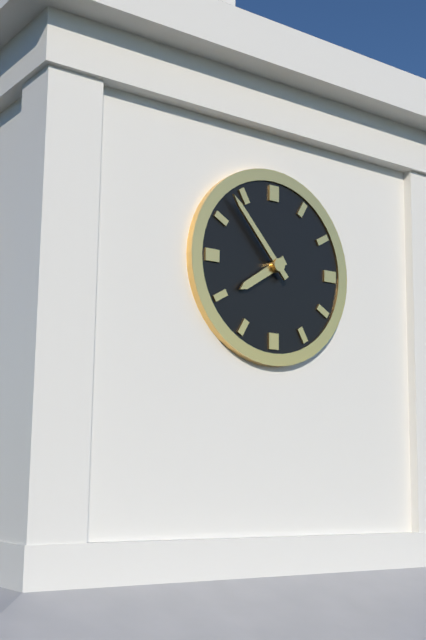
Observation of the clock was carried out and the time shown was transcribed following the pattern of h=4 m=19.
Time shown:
h=7 m=53
